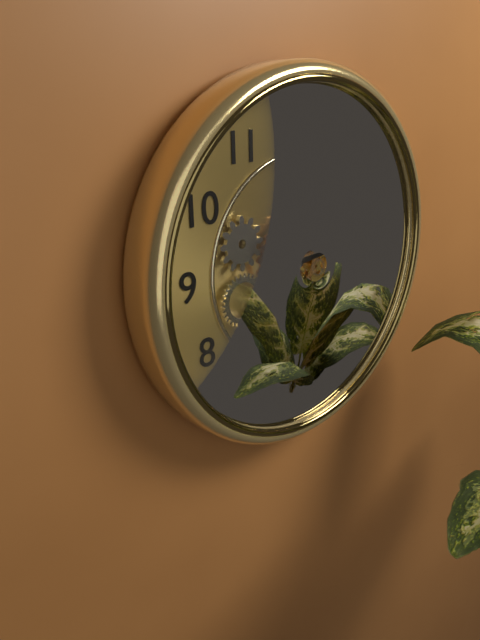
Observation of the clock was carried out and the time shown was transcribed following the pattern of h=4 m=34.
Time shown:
h=7 m=14
